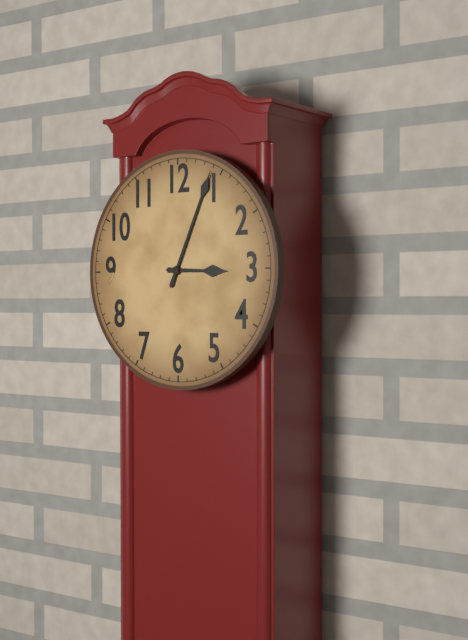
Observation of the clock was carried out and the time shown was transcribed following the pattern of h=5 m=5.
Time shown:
h=3 m=4
